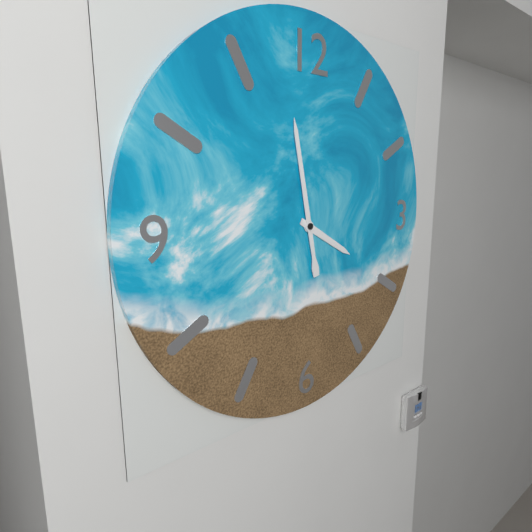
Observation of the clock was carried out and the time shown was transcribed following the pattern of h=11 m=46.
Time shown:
h=3 m=58
